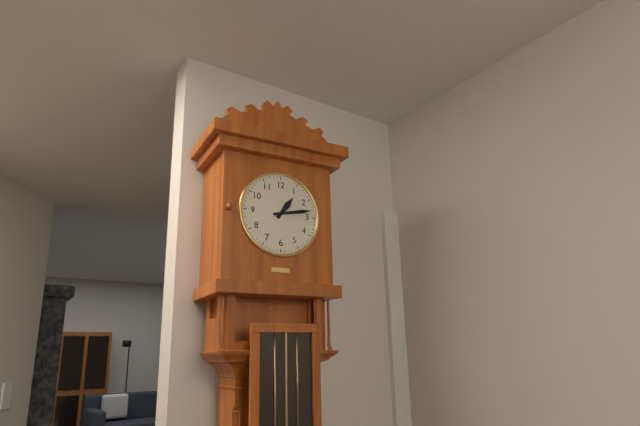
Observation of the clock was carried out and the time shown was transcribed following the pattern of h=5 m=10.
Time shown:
h=1 m=13
